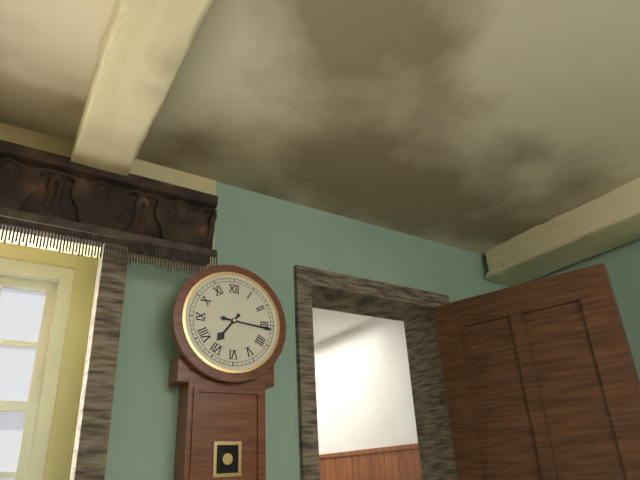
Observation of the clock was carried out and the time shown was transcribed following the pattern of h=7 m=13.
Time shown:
h=7 m=16
